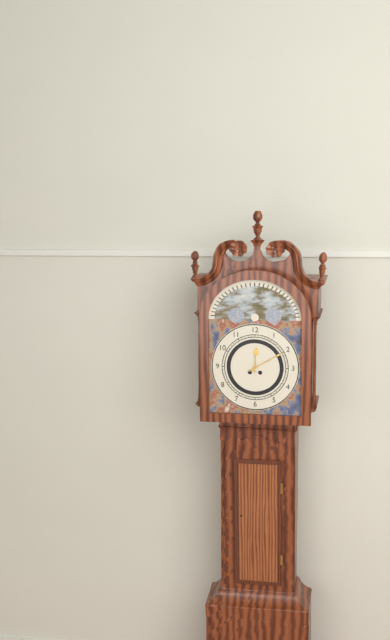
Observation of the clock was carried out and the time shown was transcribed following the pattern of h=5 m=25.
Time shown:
h=12 m=10
